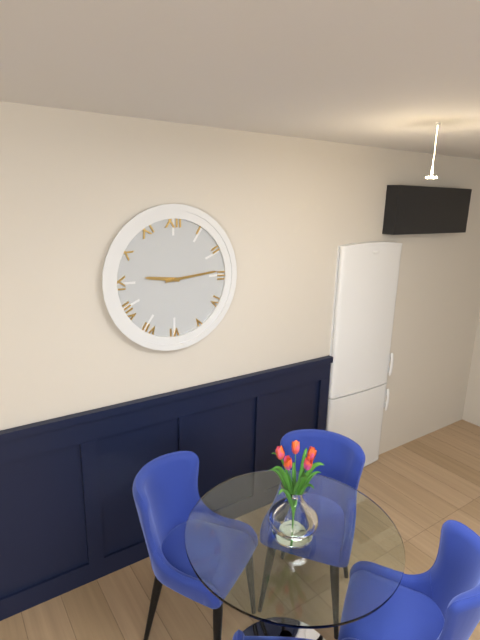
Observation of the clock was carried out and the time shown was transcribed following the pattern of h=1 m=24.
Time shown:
h=9 m=14
